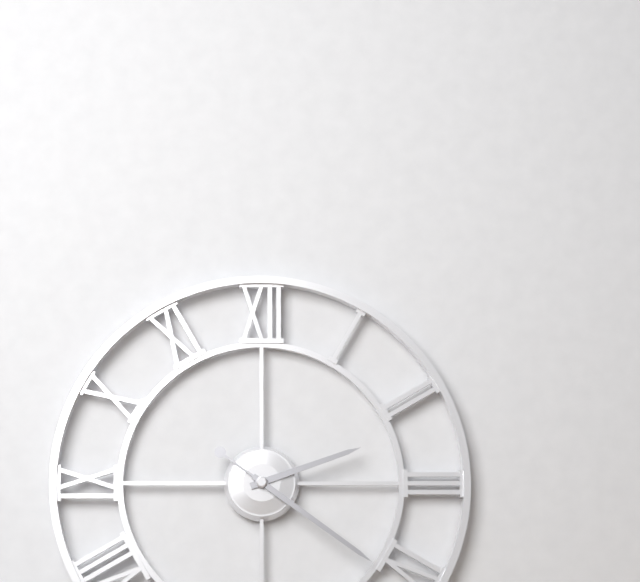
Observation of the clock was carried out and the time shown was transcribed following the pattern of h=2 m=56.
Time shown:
h=2 m=21
